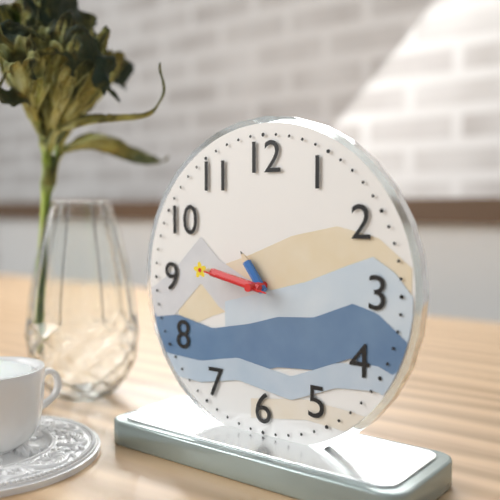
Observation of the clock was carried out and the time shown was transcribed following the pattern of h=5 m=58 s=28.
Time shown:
h=10 m=47 s=47
